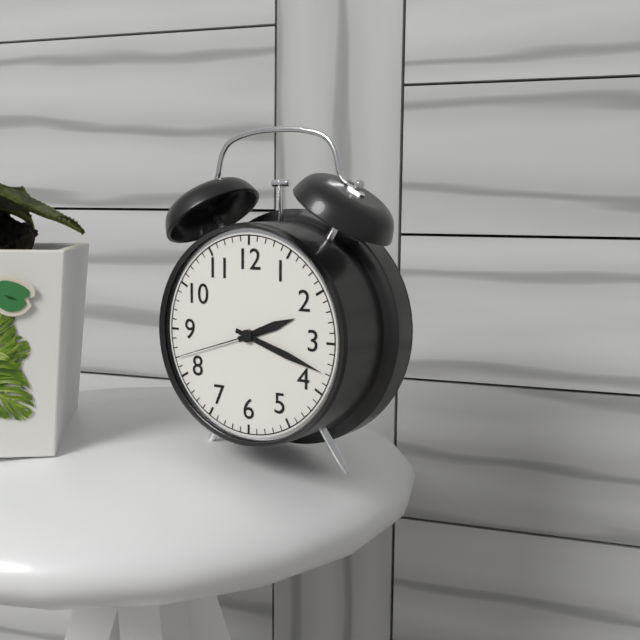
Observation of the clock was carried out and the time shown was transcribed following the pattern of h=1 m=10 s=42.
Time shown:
h=2 m=18 s=42
